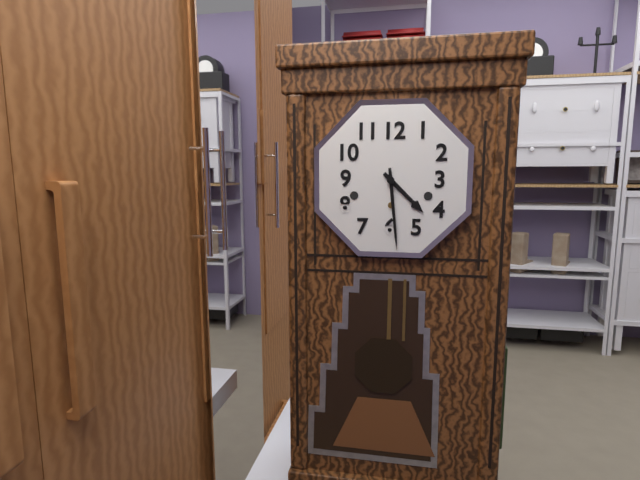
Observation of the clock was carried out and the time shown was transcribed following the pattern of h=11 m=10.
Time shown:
h=4 m=29
